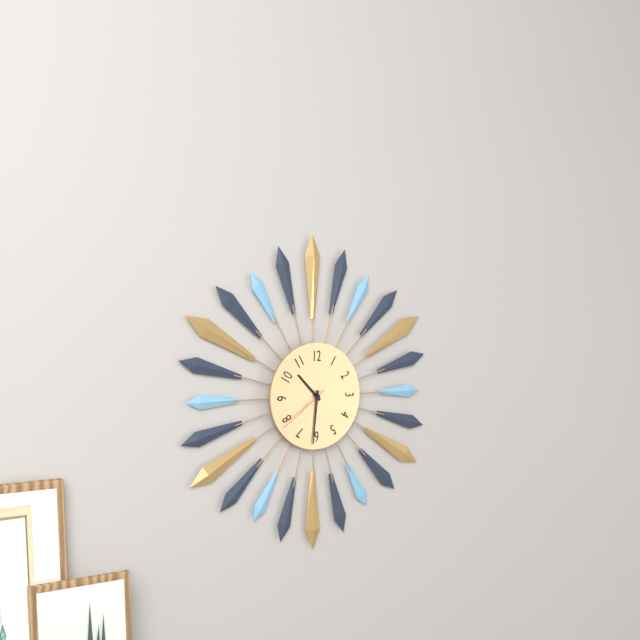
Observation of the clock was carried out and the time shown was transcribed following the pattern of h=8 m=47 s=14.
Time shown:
h=10 m=31 s=39
